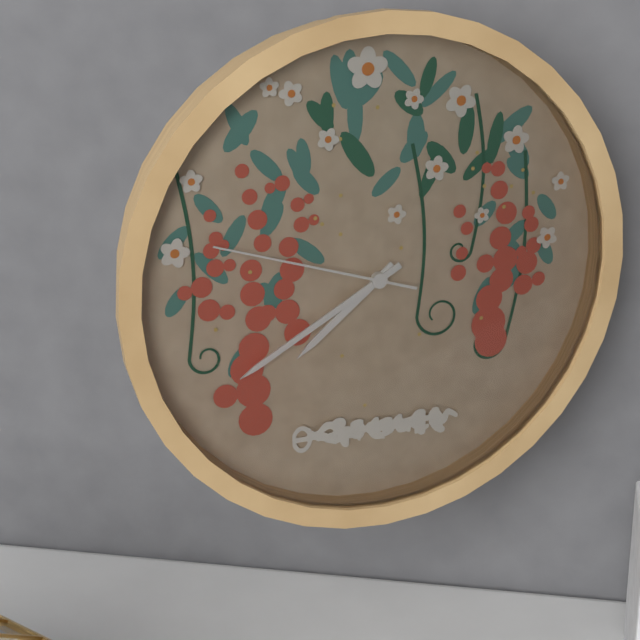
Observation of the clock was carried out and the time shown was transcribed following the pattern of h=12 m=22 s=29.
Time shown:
h=7 m=40 s=48
